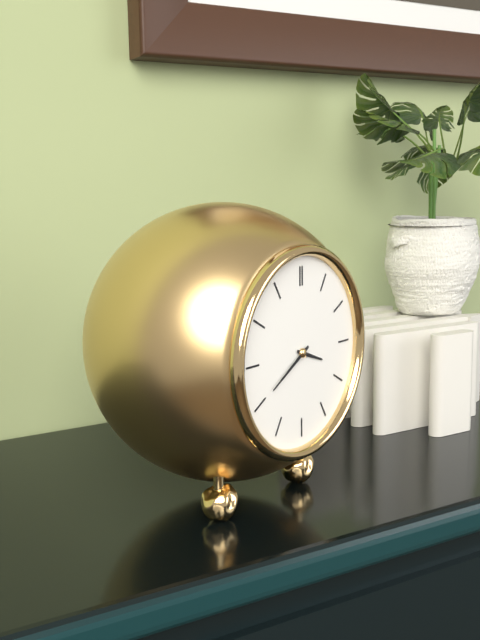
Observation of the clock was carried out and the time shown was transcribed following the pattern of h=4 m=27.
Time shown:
h=3 m=40
